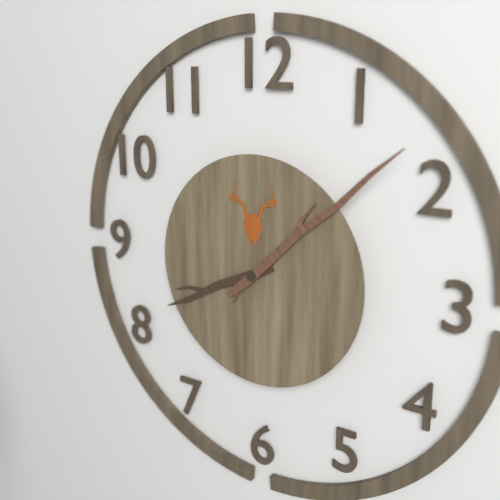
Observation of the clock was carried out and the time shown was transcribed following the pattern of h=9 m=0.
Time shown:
h=8 m=8
